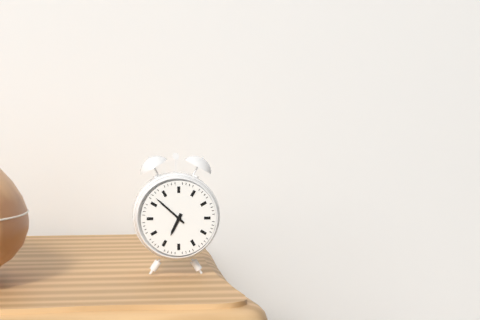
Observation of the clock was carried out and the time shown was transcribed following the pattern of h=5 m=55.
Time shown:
h=6 m=52
